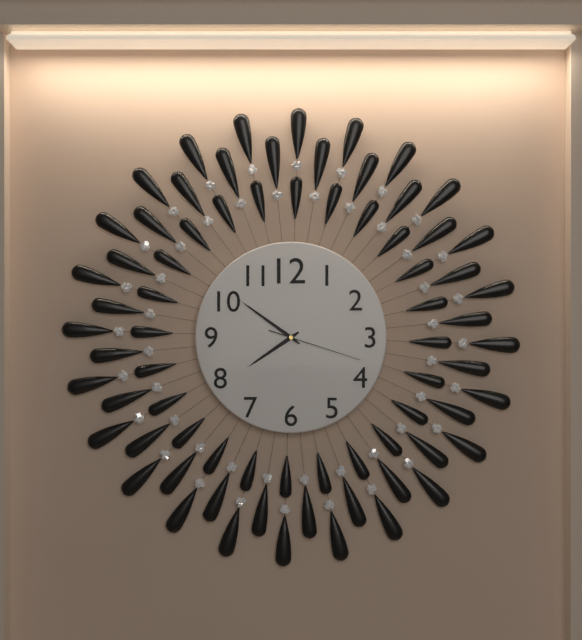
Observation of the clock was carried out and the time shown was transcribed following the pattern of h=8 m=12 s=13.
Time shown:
h=7 m=51 s=18
